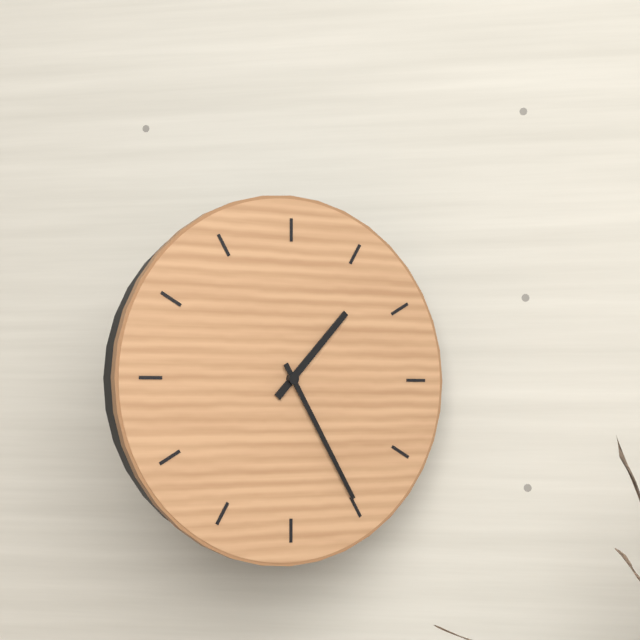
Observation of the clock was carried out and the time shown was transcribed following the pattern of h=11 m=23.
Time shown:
h=1 m=25
